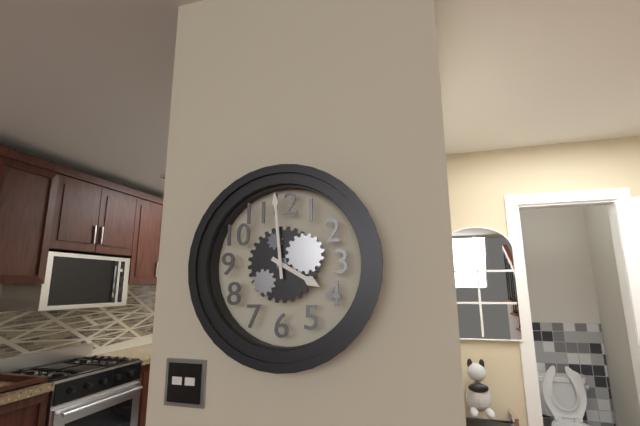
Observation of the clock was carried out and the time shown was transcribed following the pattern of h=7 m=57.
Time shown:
h=3 m=59
